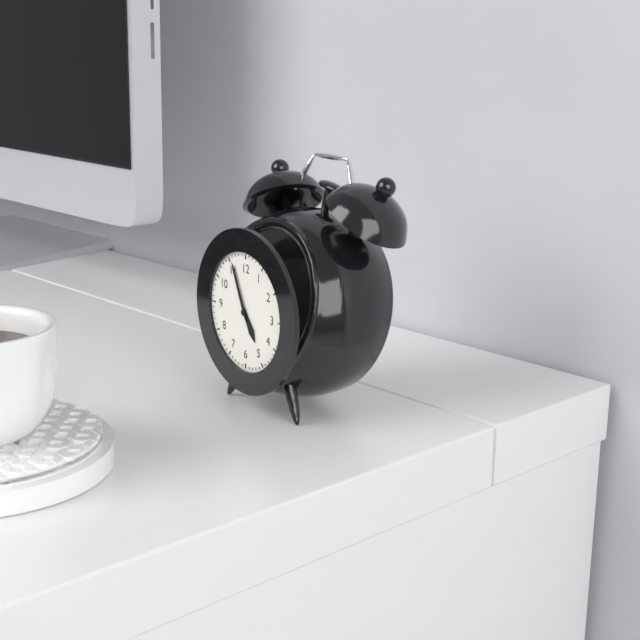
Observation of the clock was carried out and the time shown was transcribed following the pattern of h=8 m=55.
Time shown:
h=4 m=56
